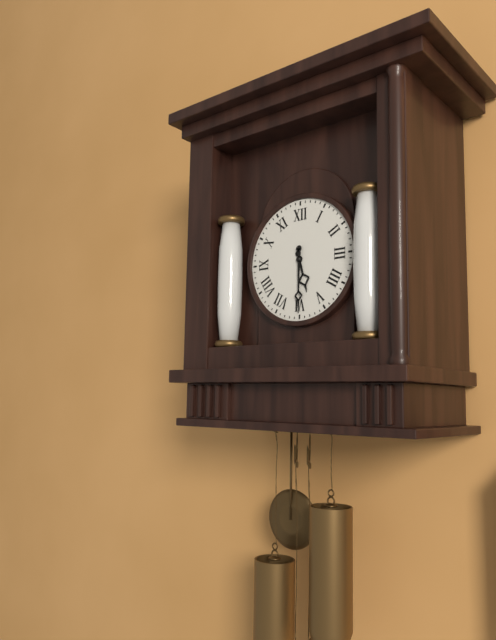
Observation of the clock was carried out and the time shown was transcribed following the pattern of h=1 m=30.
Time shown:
h=5 m=30
